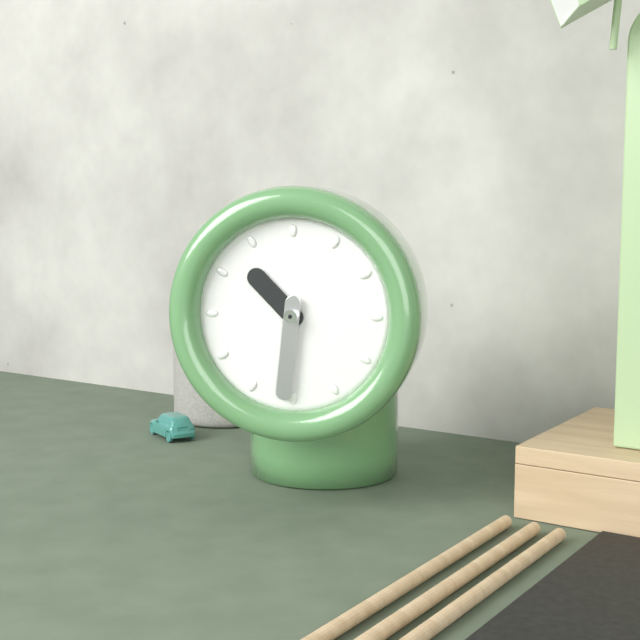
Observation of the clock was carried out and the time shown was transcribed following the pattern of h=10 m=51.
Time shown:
h=10 m=31
